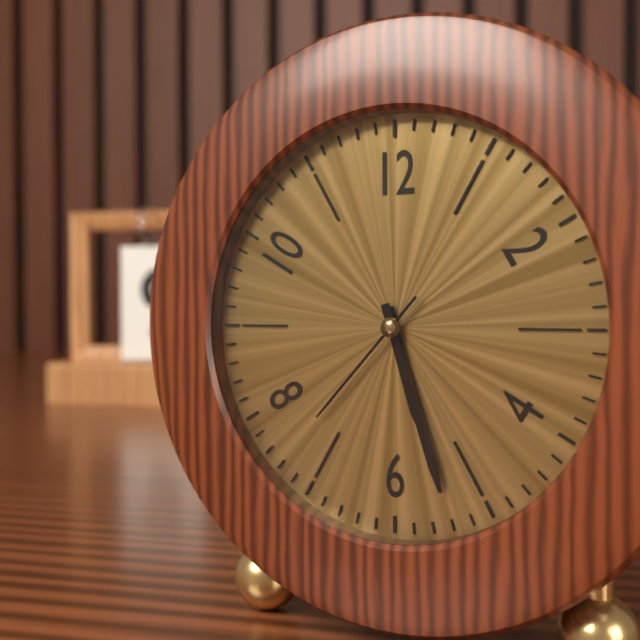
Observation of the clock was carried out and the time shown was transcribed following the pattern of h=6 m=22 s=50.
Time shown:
h=5 m=27 s=37
